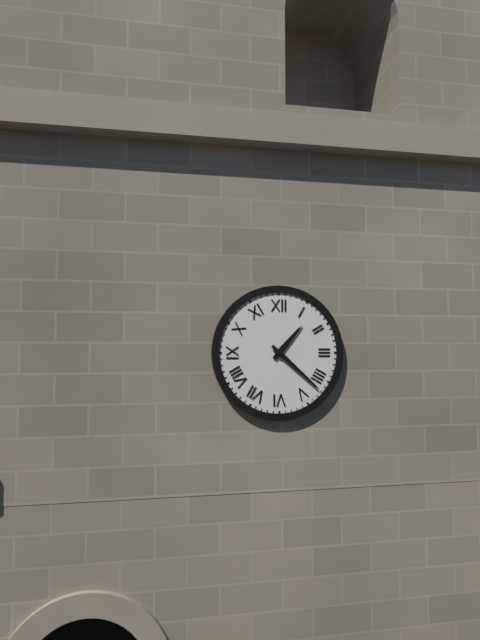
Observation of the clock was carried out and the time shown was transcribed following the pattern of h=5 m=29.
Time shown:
h=1 m=22
